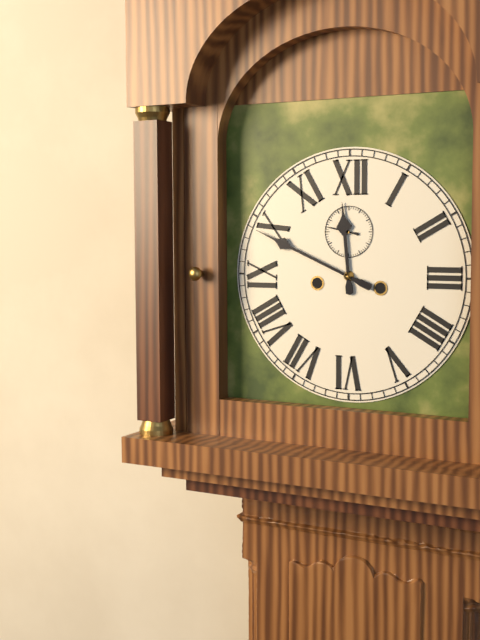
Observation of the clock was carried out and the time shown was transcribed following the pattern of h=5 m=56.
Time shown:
h=11 m=49
